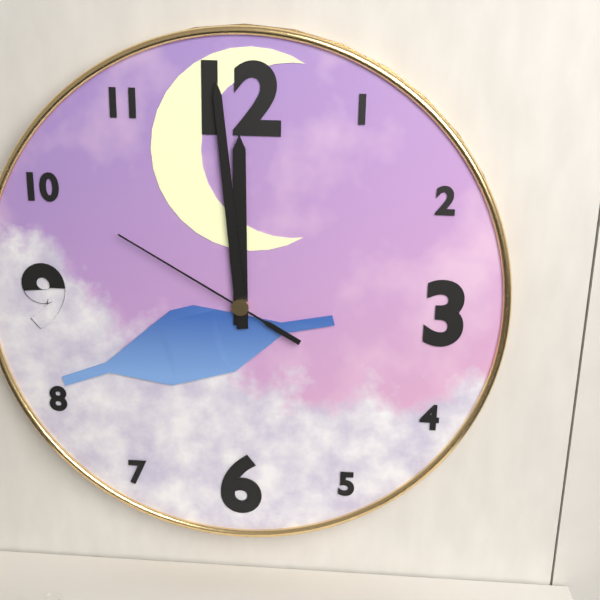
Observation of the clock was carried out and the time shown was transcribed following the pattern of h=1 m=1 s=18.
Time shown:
h=11 m=59 s=50
